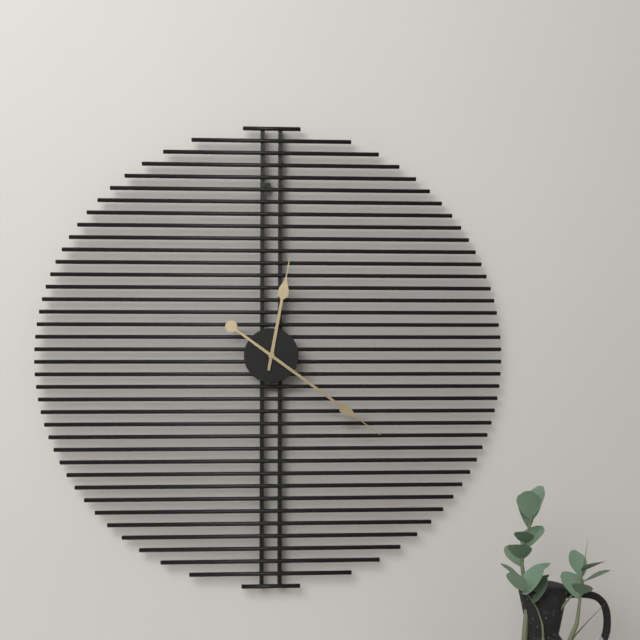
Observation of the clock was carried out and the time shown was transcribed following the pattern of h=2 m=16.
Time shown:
h=12 m=21
